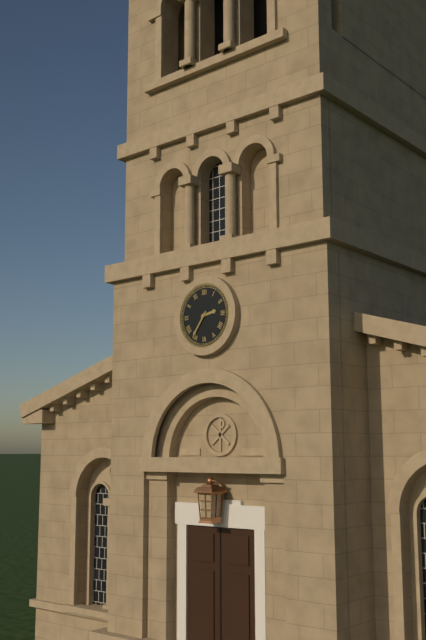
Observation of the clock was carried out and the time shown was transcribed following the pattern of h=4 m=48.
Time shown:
h=2 m=36
